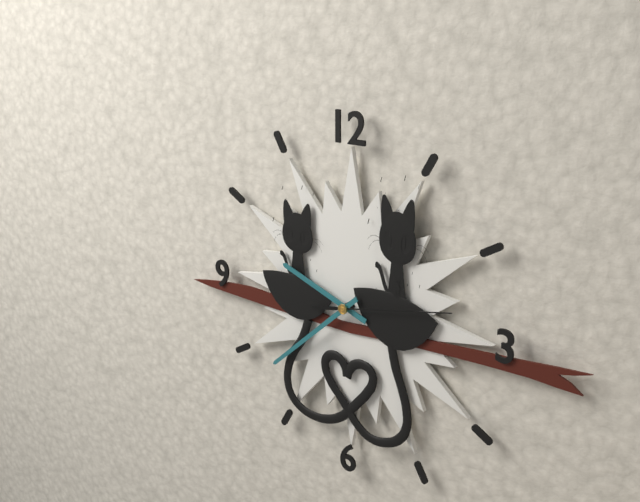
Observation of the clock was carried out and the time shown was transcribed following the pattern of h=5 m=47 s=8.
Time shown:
h=9 m=38 s=13
